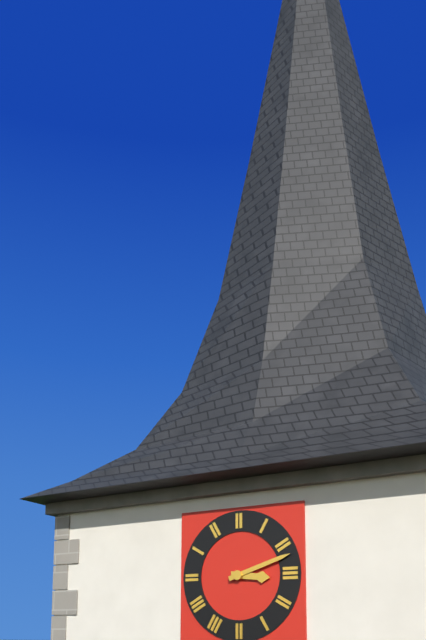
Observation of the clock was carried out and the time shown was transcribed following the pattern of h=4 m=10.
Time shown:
h=3 m=12
